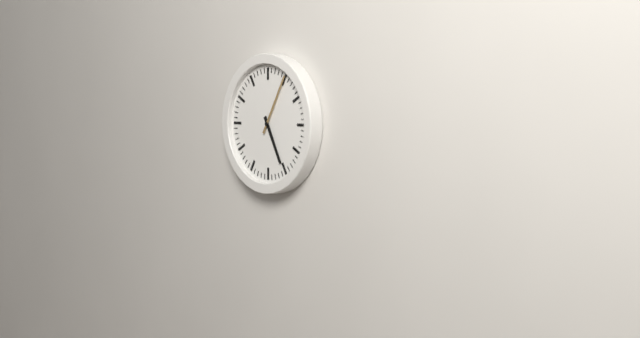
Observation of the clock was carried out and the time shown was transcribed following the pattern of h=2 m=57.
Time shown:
h=5 m=5
